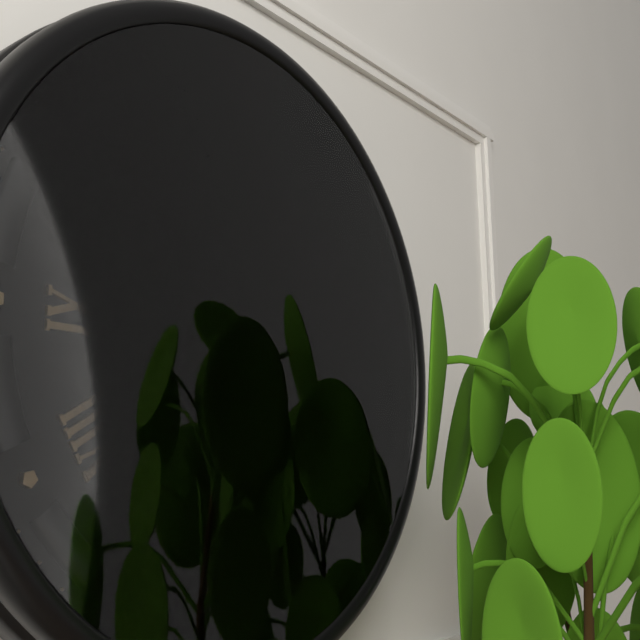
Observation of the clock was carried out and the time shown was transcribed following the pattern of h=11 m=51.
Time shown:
h=7 m=3
